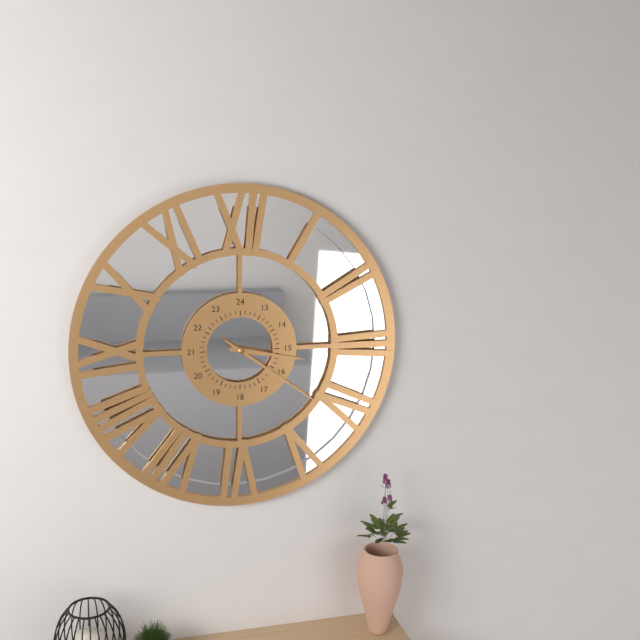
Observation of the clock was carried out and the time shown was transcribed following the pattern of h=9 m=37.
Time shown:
h=3 m=21
